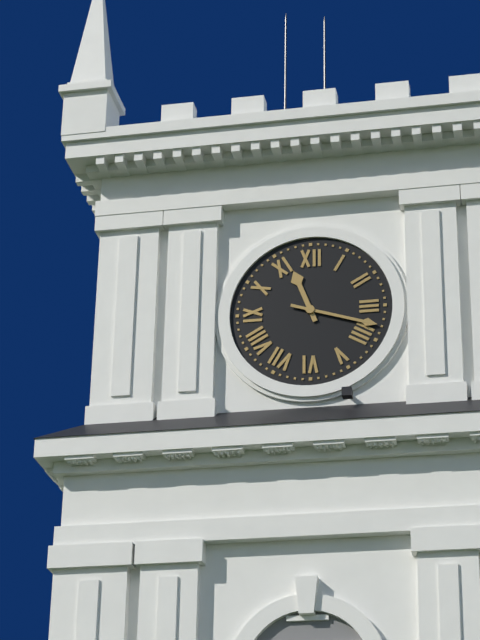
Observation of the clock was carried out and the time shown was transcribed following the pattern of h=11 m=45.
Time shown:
h=11 m=18
